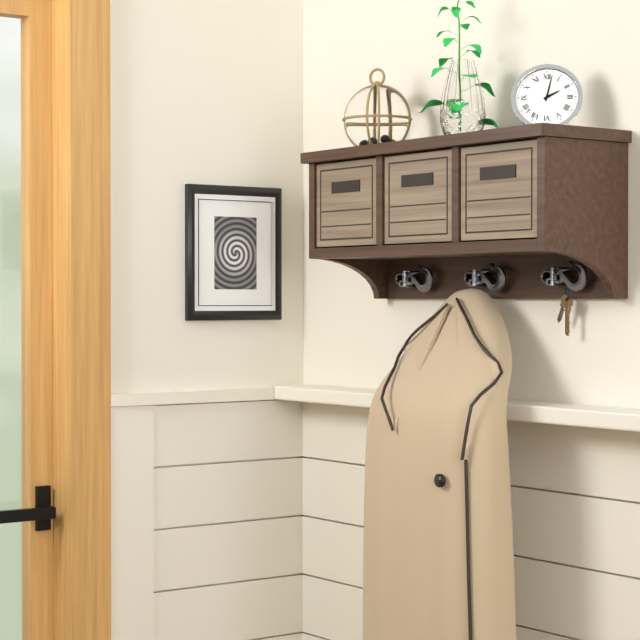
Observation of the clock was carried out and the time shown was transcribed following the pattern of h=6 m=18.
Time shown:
h=2 m=2
